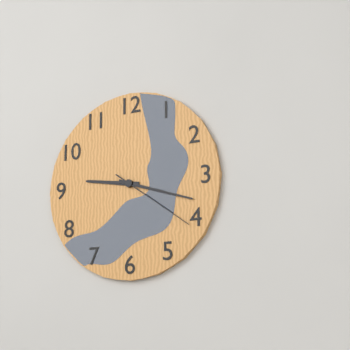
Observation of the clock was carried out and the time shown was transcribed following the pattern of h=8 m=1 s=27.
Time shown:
h=9 m=18 s=21
